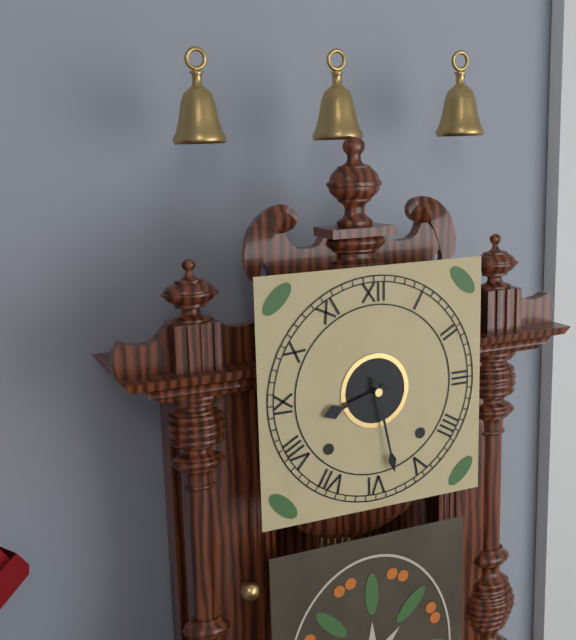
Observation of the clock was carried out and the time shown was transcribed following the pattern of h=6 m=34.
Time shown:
h=8 m=28
